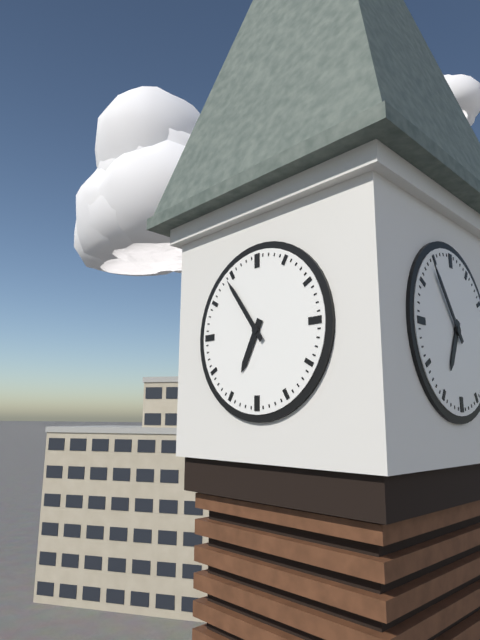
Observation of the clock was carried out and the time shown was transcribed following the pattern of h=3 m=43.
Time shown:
h=6 m=54
